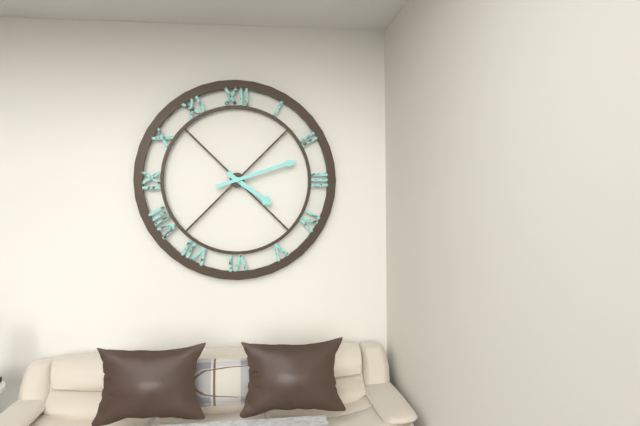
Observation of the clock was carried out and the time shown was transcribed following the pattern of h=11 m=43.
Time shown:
h=4 m=12
